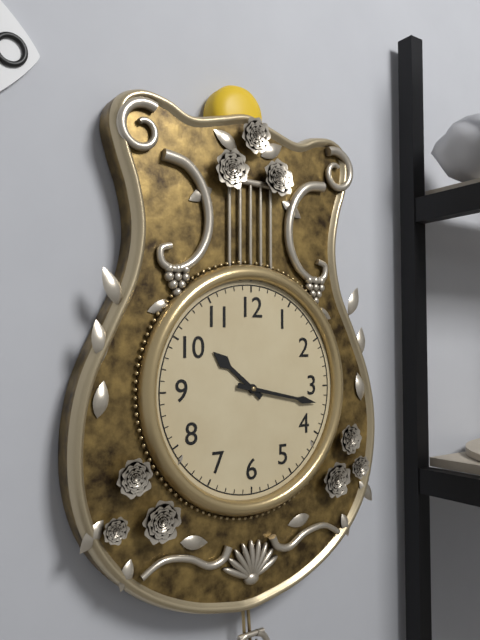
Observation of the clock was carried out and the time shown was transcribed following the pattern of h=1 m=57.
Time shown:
h=10 m=17
